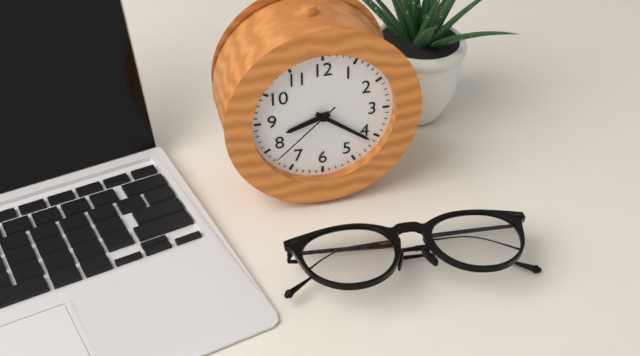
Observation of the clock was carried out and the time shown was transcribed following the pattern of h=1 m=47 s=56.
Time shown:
h=8 m=21 s=38
